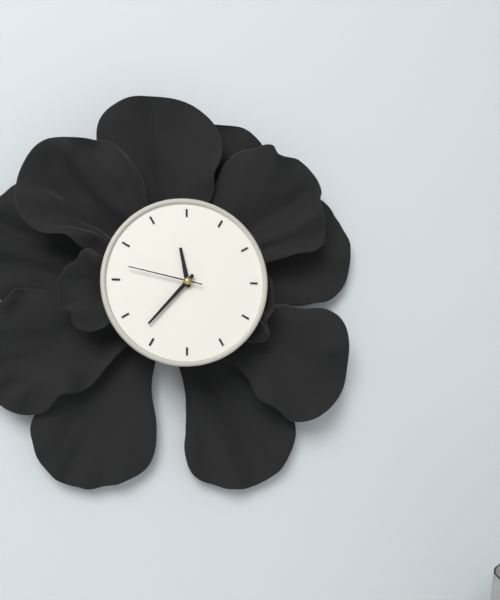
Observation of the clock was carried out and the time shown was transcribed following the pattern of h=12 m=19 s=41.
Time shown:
h=11 m=37 s=47
